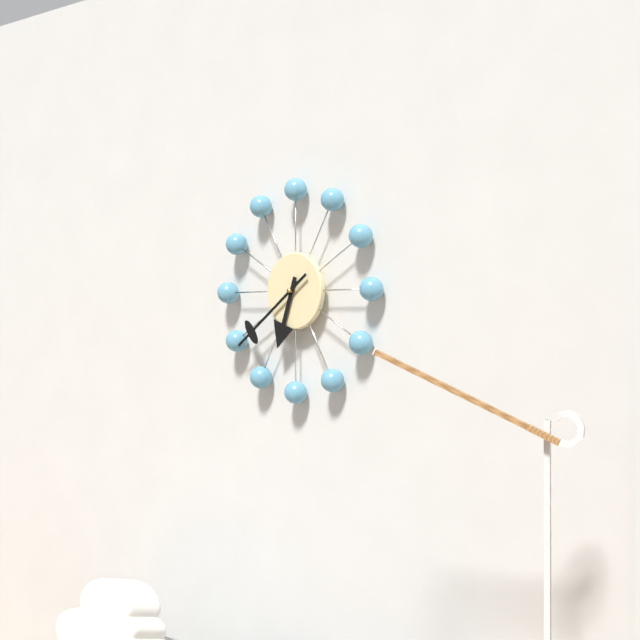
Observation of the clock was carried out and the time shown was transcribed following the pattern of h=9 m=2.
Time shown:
h=6 m=39
